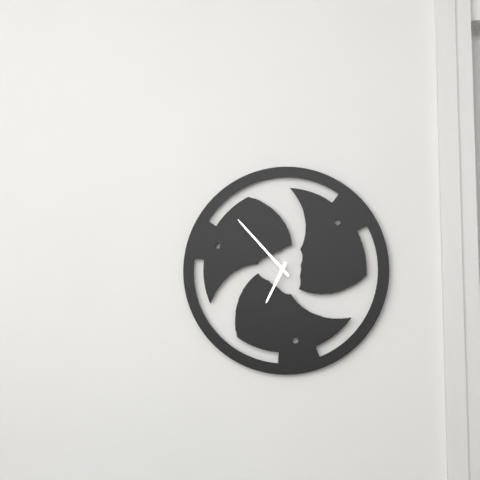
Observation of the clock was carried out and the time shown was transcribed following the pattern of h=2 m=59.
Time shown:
h=6 m=53
